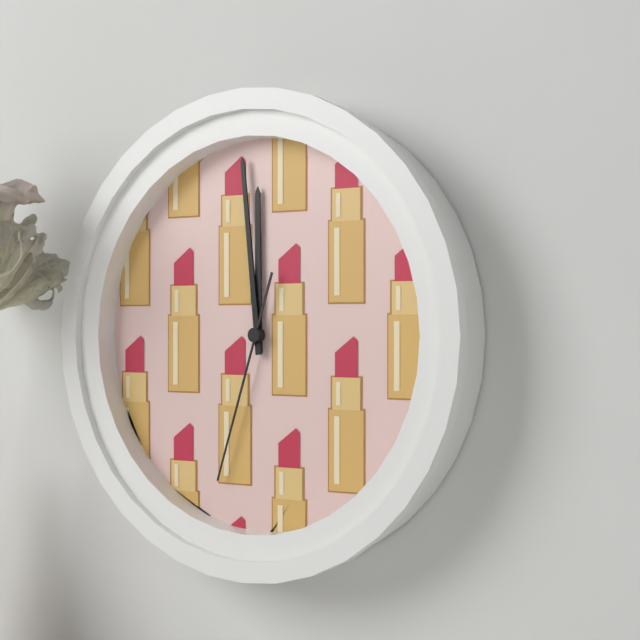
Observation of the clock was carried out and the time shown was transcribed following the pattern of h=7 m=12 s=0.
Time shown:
h=11 m=59 s=33
